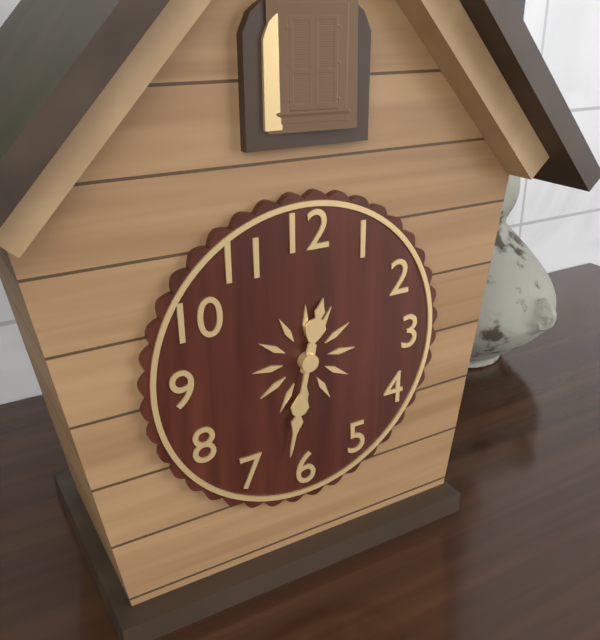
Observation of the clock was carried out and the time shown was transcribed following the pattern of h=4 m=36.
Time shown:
h=12 m=32
